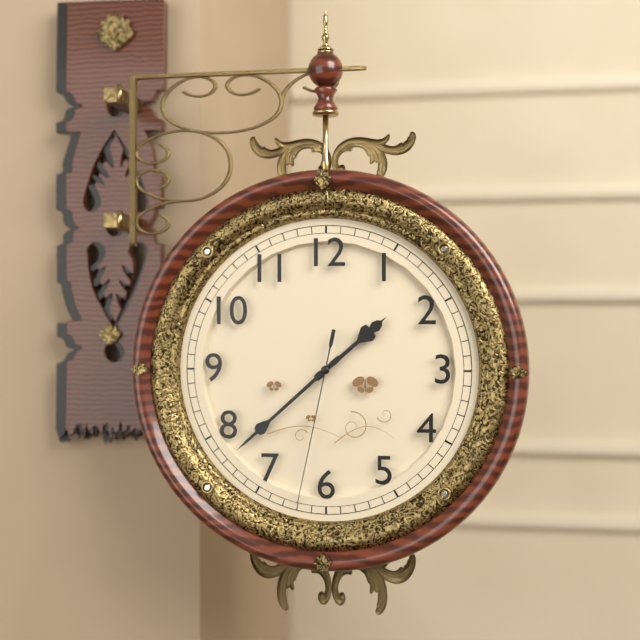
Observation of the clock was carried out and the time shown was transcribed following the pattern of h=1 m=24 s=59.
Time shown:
h=1 m=38 s=32
